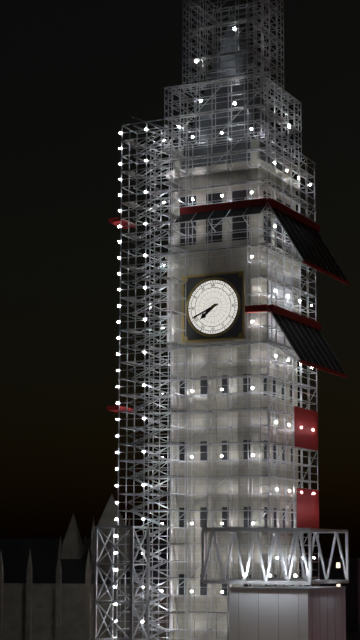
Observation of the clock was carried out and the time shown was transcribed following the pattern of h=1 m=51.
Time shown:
h=7 m=41
